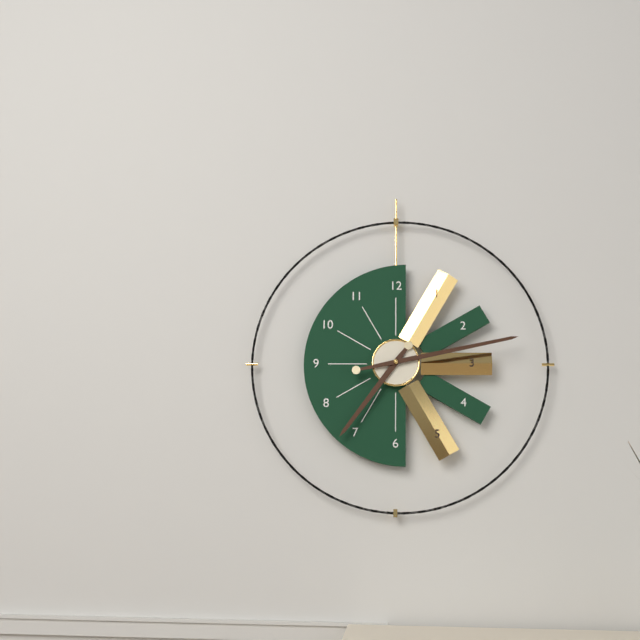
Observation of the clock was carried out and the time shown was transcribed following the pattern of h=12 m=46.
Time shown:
h=7 m=13
